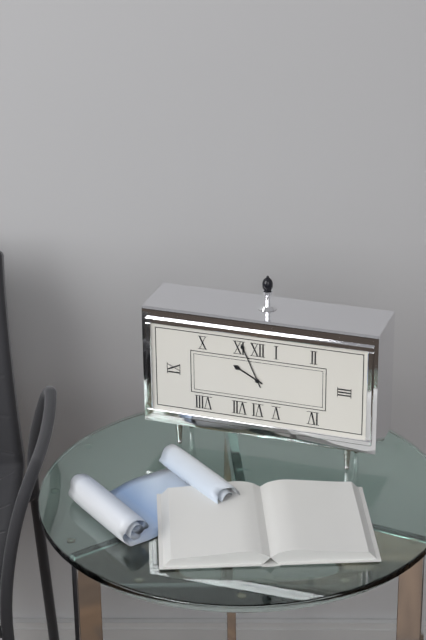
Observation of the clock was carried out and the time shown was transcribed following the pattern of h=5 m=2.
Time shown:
h=9 m=56
